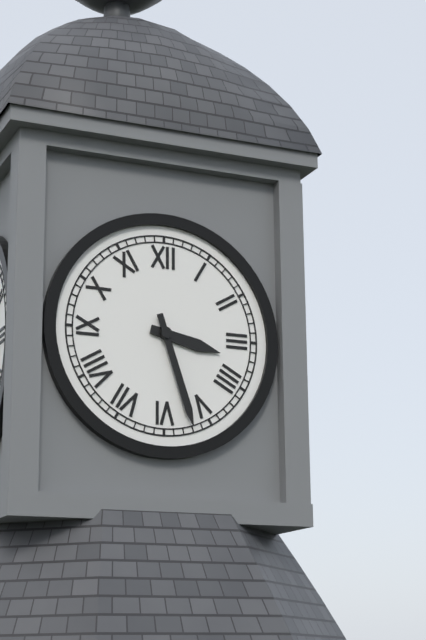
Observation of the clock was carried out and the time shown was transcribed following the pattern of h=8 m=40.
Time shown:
h=3 m=27
